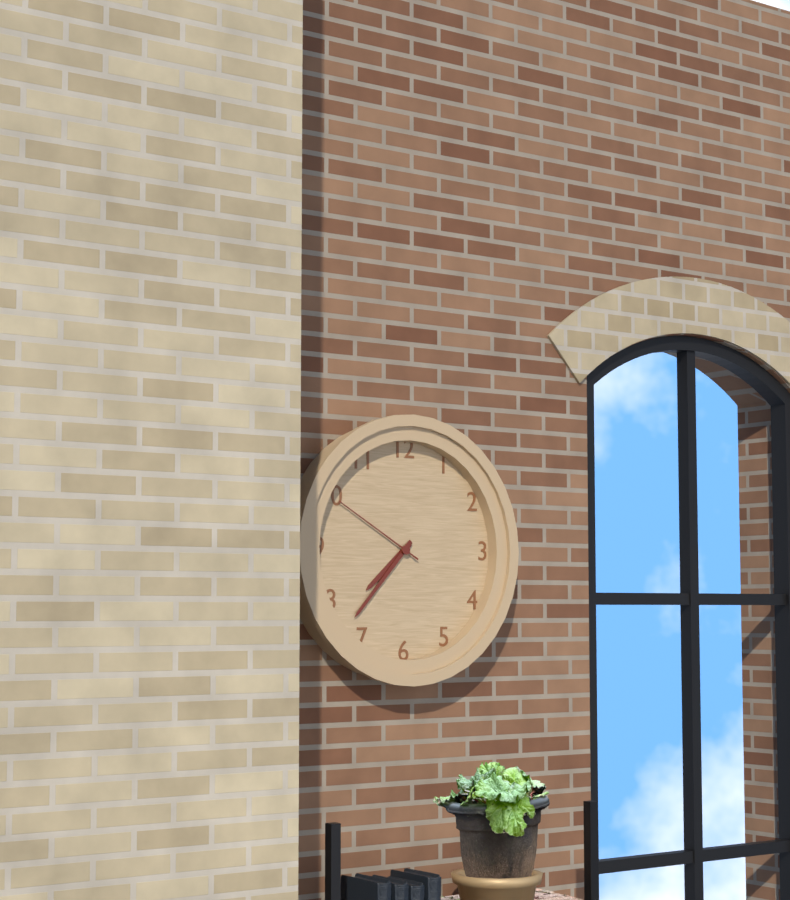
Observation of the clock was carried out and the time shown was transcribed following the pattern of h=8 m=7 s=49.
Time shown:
h=7 m=37 s=50
